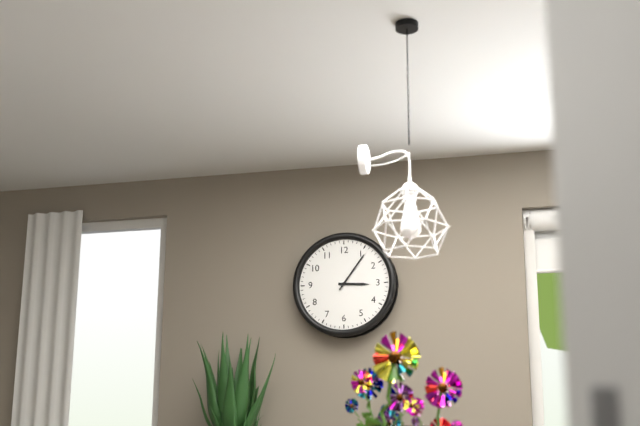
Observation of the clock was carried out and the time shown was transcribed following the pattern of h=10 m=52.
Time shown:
h=3 m=6
